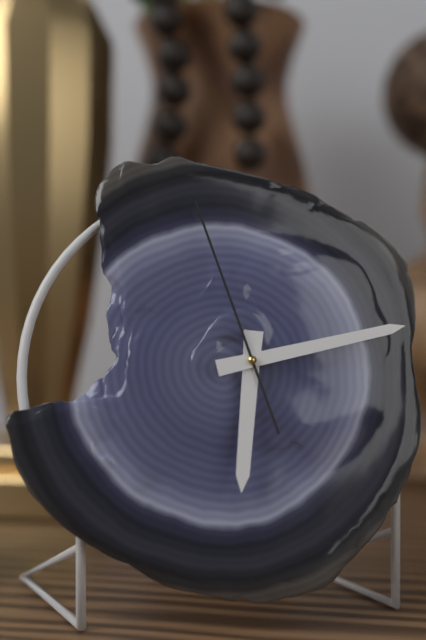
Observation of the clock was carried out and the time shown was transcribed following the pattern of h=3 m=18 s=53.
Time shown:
h=6 m=13 s=57
